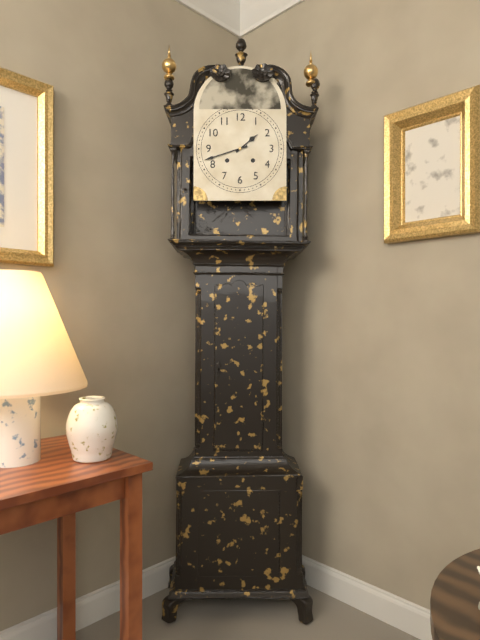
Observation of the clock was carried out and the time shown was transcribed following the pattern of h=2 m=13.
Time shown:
h=1 m=42
